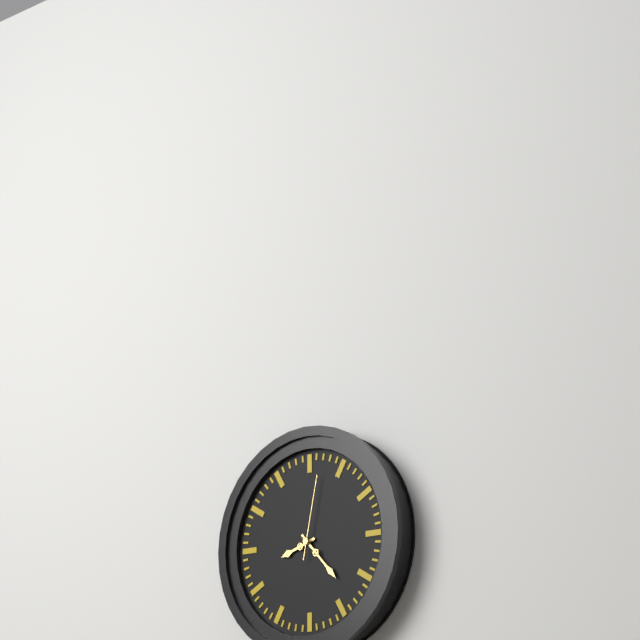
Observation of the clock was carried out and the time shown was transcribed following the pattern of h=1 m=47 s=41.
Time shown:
h=8 m=23 s=2
